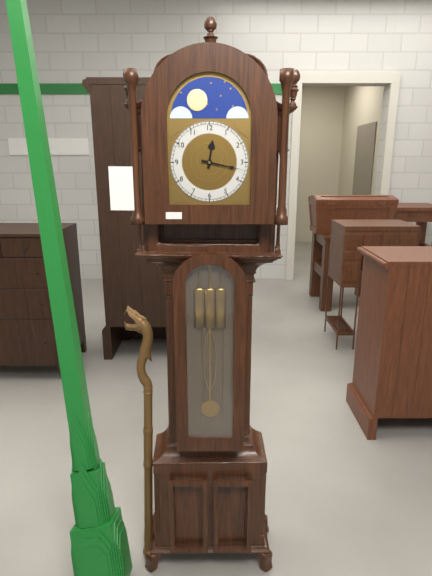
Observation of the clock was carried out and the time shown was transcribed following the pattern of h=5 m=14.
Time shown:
h=12 m=17
